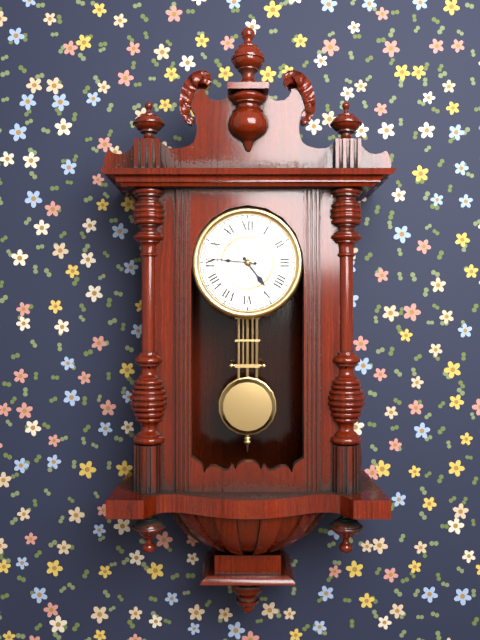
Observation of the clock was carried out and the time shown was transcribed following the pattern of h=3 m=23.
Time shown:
h=4 m=46
